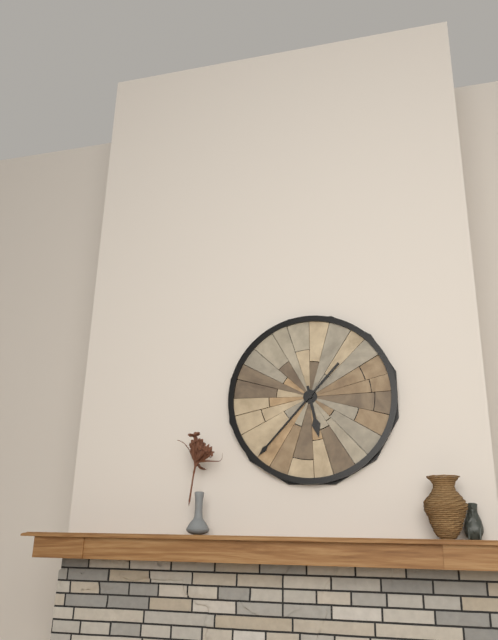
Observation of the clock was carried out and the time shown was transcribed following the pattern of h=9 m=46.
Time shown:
h=5 m=37
